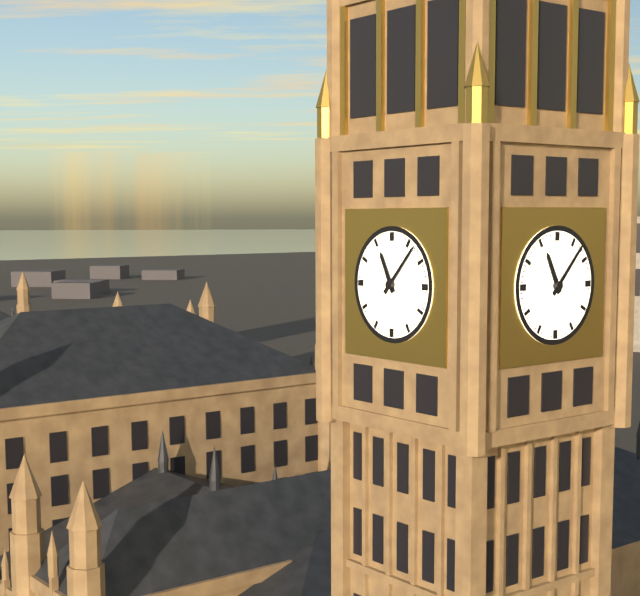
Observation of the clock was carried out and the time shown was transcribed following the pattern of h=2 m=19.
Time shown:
h=11 m=7
